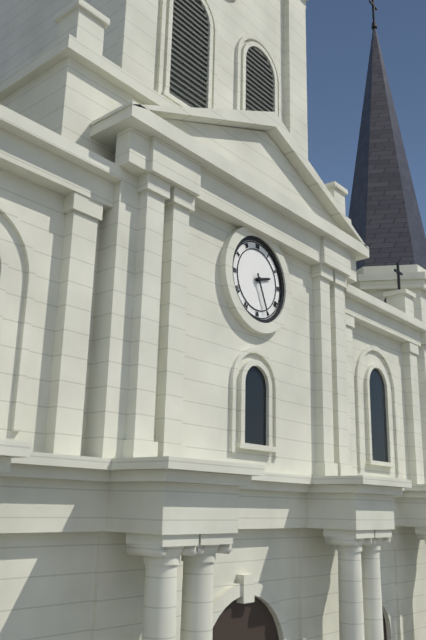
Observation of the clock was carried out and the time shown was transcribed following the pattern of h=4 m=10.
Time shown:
h=2 m=26
